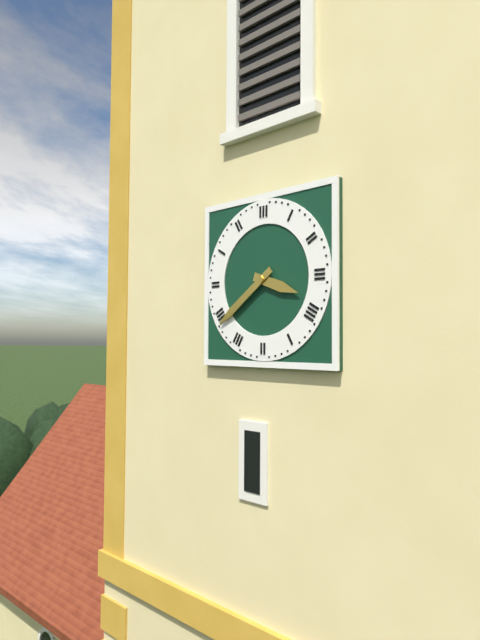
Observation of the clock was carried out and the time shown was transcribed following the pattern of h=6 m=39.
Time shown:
h=3 m=39
